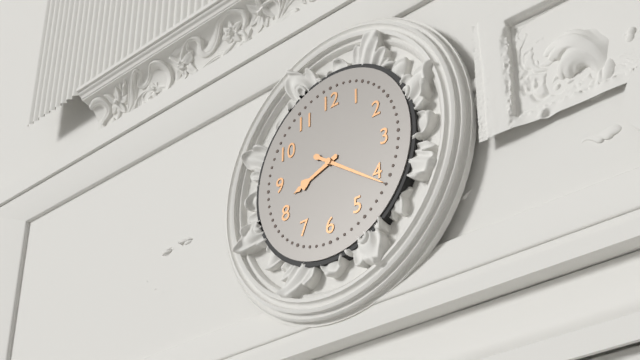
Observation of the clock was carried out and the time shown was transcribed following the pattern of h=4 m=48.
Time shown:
h=8 m=21
